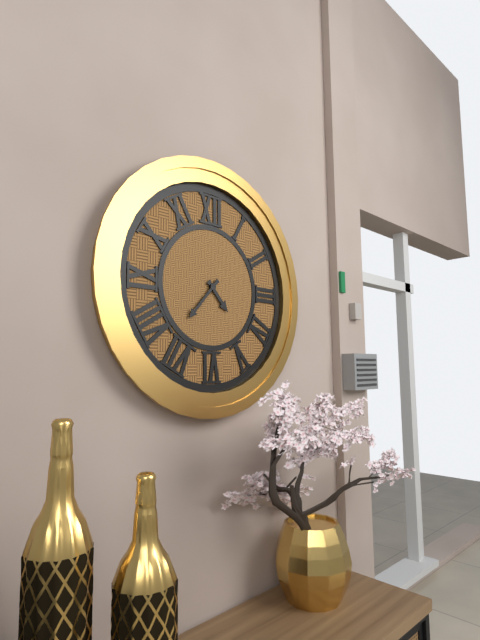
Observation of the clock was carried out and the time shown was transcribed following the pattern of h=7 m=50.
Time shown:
h=4 m=37
